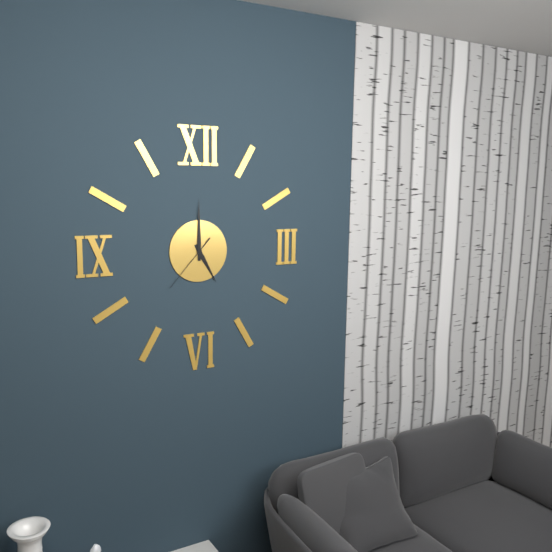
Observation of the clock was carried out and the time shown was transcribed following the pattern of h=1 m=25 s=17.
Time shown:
h=5 m=0 s=37
